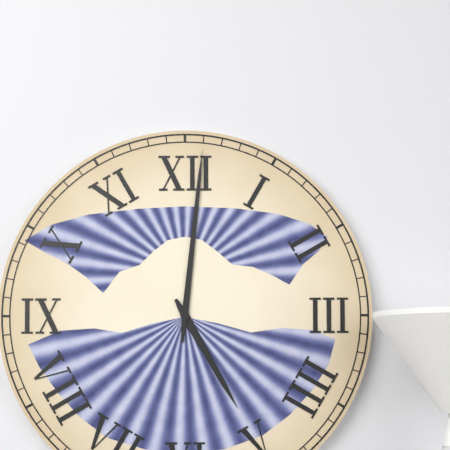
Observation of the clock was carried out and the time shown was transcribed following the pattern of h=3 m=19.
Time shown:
h=5 m=1
